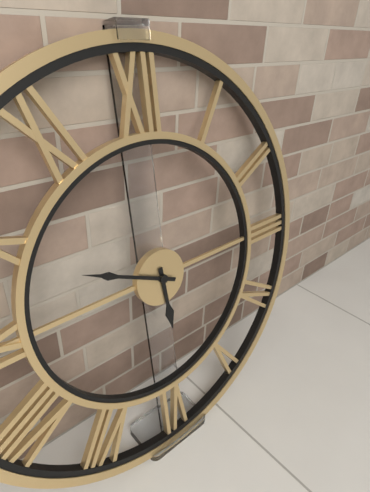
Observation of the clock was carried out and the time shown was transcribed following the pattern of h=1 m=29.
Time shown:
h=5 m=49
